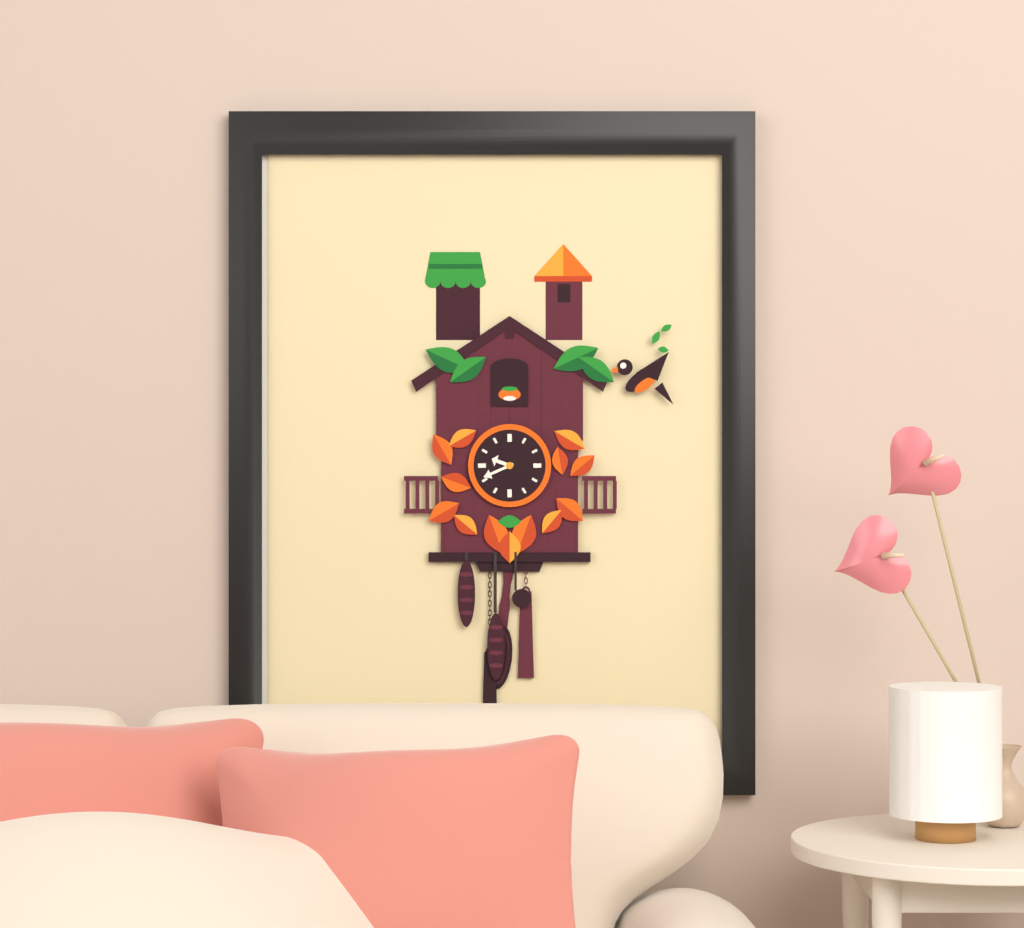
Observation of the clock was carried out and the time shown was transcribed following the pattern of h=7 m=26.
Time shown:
h=9 m=41
